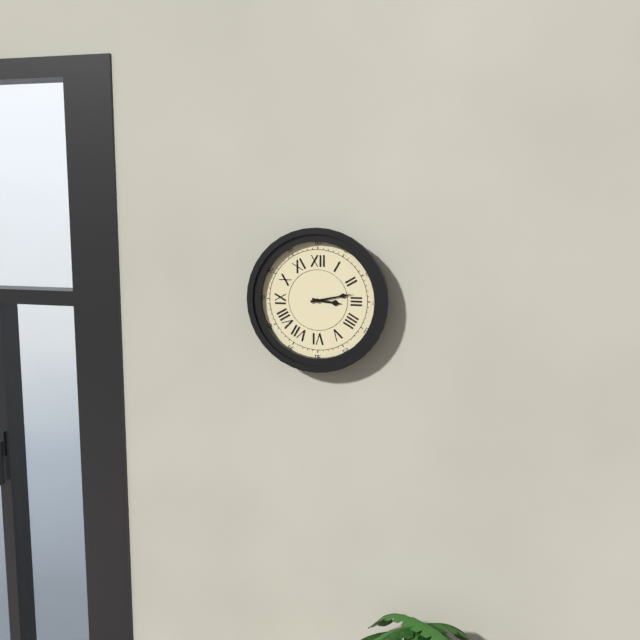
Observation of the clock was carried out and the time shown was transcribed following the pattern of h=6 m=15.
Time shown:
h=3 m=13
